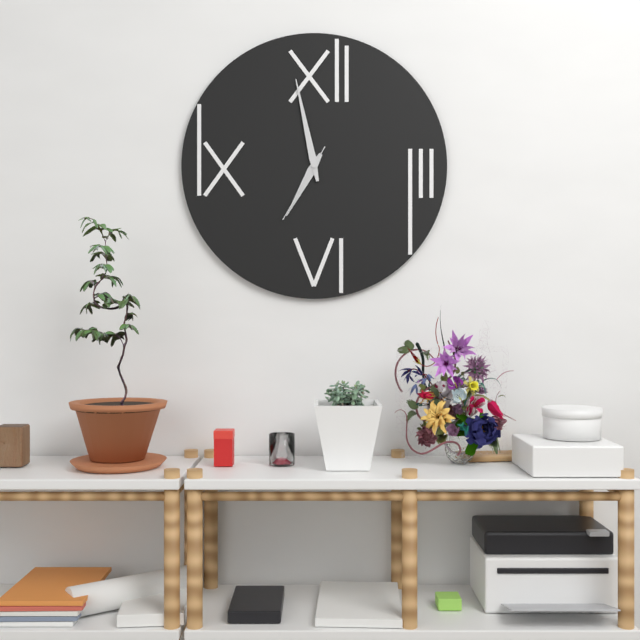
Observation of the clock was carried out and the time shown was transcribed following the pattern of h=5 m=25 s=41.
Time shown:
h=6 m=58 s=35
